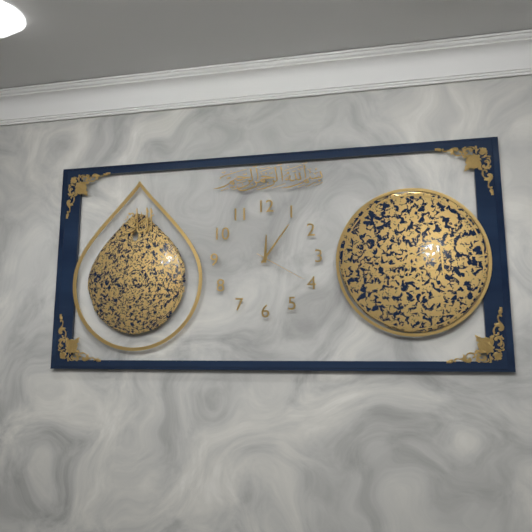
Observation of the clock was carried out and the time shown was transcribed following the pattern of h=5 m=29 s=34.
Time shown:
h=12 m=6 s=20
